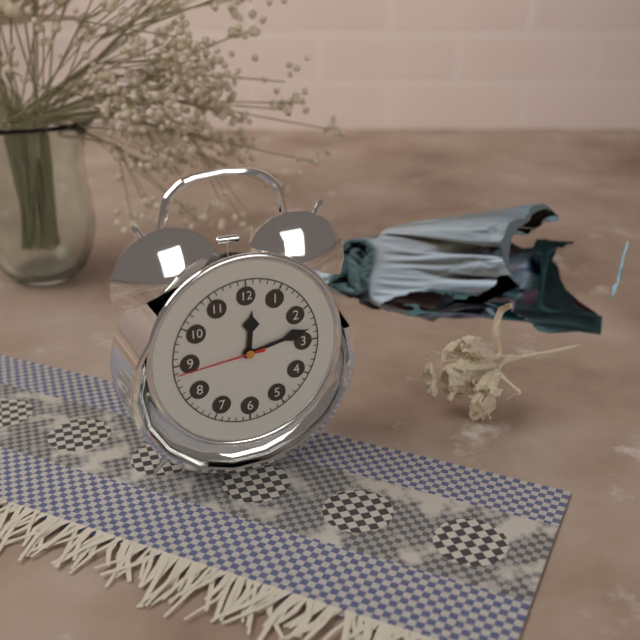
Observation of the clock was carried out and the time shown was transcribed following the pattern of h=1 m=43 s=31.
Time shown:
h=12 m=13 s=44
